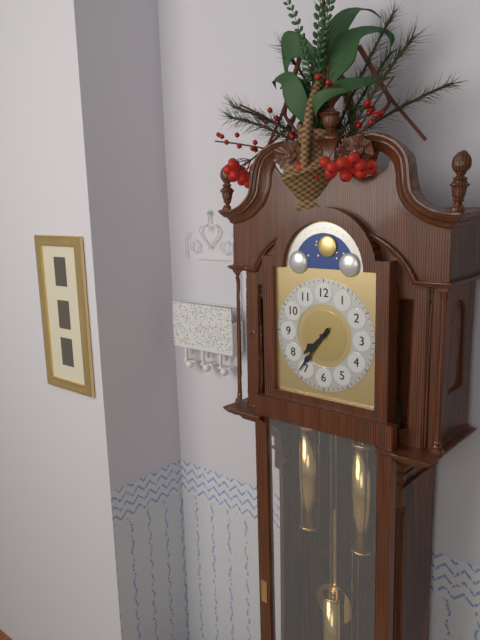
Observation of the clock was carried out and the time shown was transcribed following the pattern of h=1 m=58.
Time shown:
h=7 m=36
